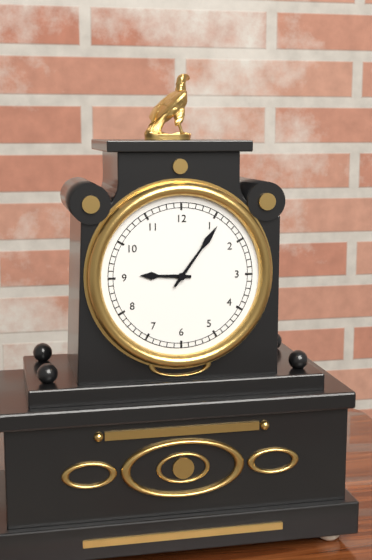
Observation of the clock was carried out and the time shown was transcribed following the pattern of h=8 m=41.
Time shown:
h=9 m=6
